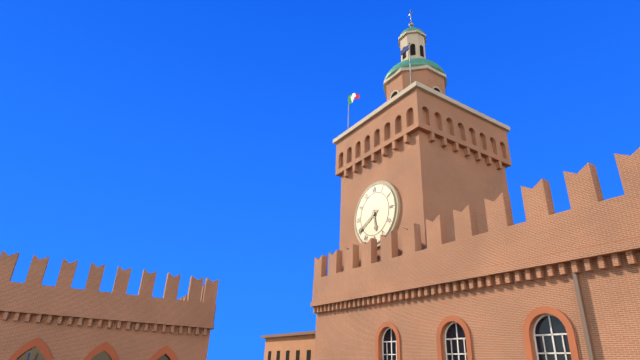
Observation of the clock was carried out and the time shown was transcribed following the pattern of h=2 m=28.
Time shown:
h=5 m=40
